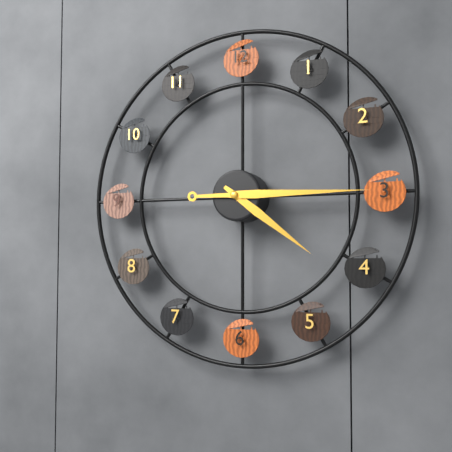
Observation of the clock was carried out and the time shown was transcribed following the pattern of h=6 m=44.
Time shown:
h=4 m=15
